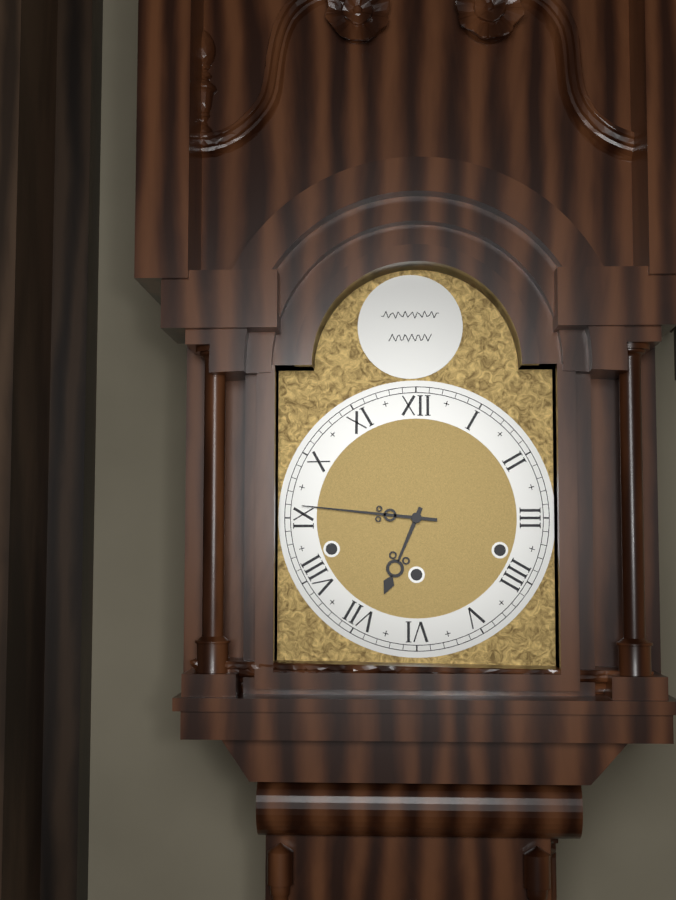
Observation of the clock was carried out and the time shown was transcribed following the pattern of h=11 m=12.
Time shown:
h=6 m=46
